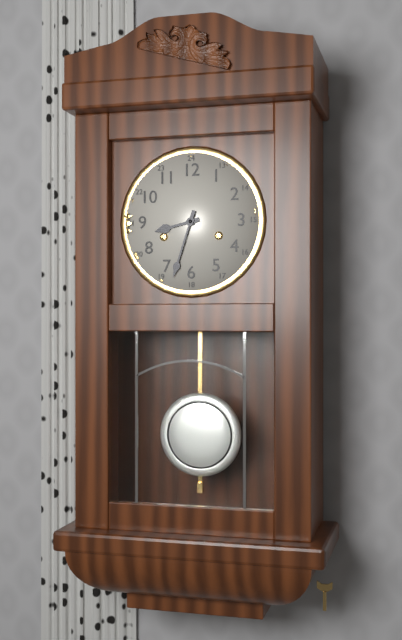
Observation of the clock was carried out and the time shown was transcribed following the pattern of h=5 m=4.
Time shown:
h=8 m=33
